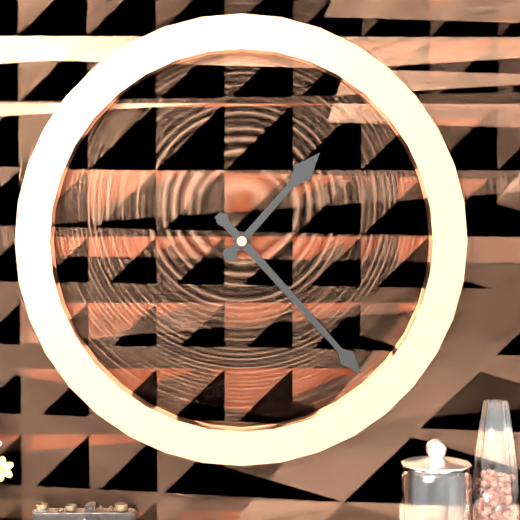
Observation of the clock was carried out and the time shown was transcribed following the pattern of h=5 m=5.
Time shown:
h=1 m=23
